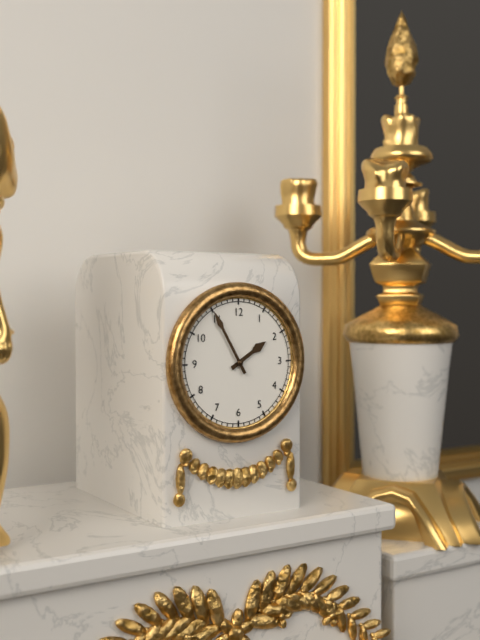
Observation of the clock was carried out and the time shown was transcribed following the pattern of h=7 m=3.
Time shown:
h=1 m=55
